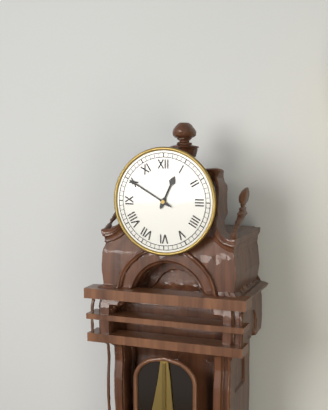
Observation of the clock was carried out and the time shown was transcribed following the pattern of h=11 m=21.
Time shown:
h=12 m=50
